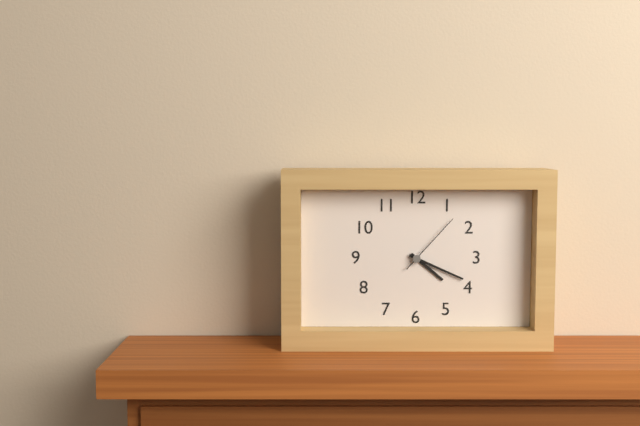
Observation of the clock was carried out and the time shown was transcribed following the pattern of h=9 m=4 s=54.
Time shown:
h=4 m=19 s=7
